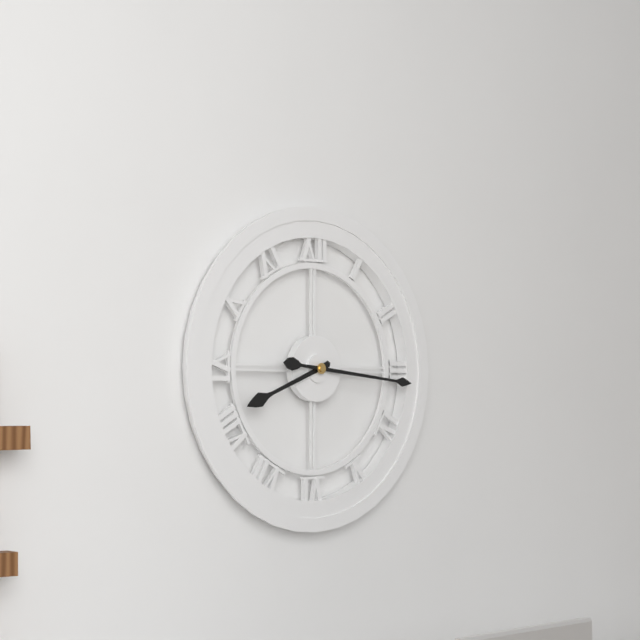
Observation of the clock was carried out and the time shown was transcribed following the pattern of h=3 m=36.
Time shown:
h=8 m=16
